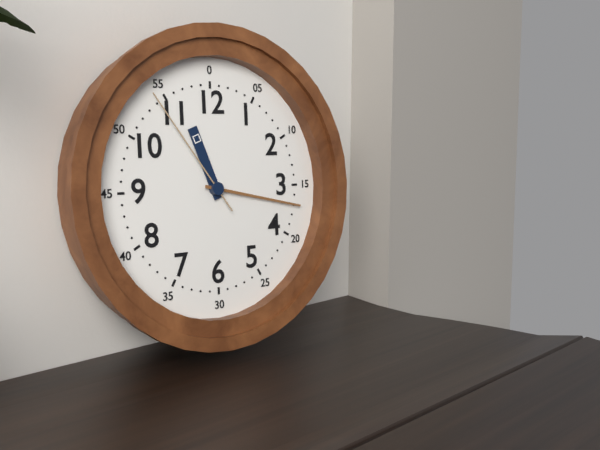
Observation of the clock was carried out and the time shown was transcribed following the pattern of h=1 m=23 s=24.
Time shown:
h=11 m=17 s=54
